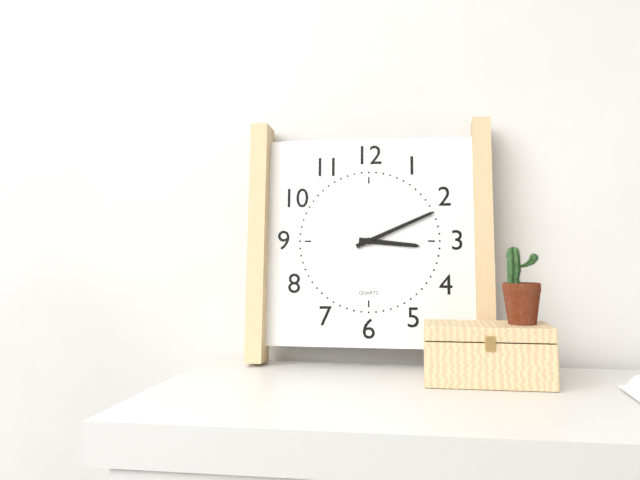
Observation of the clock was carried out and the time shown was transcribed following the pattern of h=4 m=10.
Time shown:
h=3 m=11
